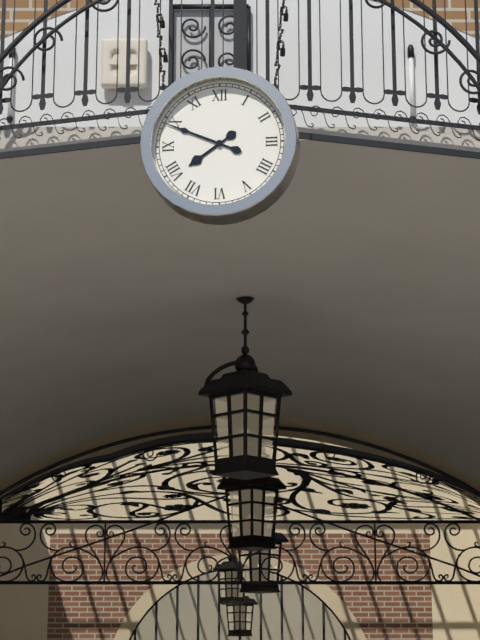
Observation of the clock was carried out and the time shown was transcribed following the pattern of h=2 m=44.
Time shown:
h=7 m=49
